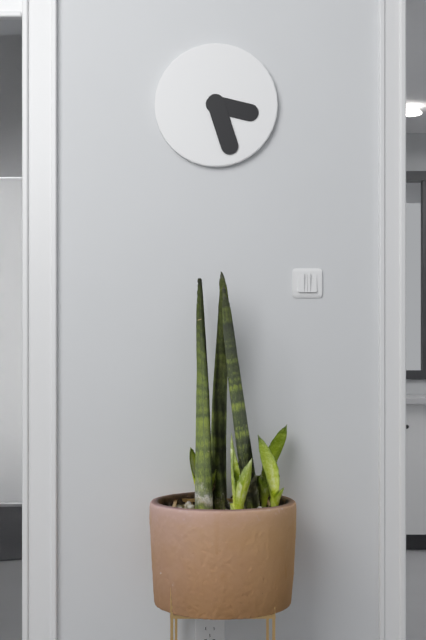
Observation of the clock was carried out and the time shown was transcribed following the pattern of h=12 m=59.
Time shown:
h=3 m=27
